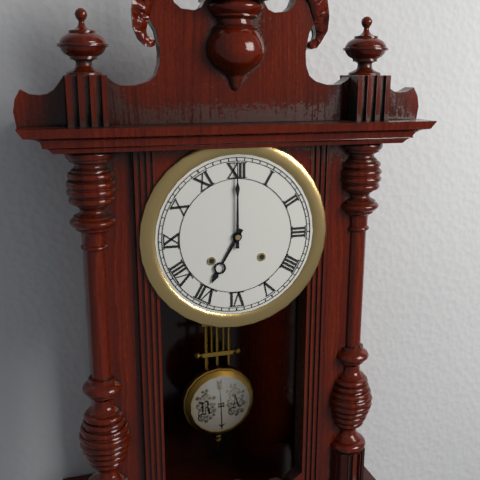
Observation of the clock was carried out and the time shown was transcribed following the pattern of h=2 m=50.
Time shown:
h=7 m=0
